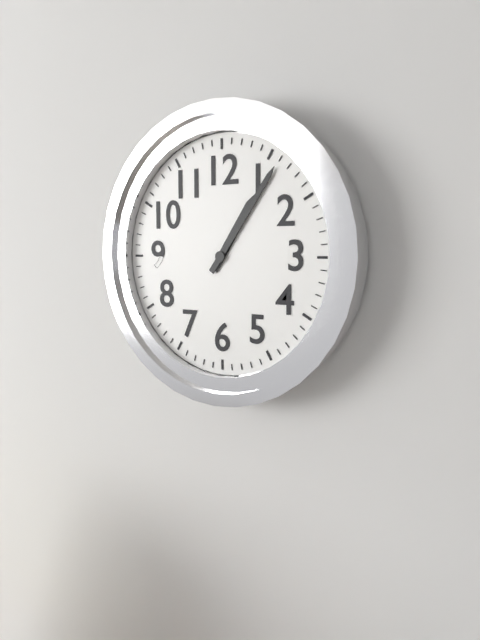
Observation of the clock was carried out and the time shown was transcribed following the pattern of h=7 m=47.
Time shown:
h=1 m=6
